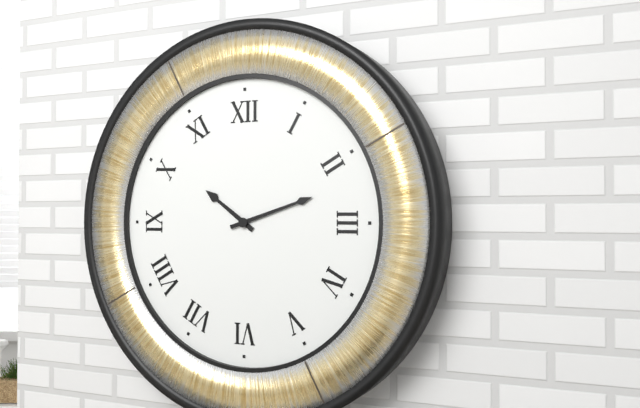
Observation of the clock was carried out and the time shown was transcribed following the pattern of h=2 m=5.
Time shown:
h=10 m=12
